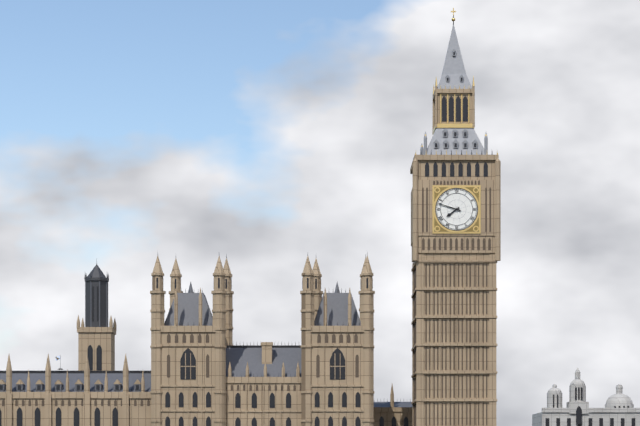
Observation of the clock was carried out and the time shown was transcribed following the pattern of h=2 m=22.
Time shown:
h=7 m=48
